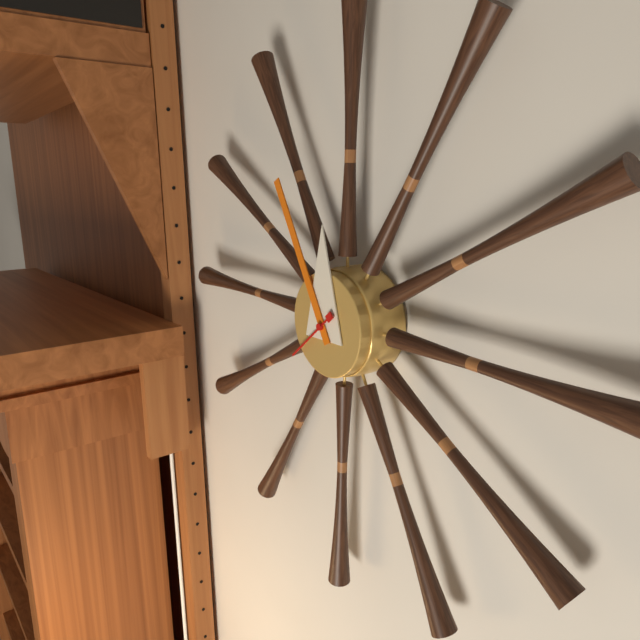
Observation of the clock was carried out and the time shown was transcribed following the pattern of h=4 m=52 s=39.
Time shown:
h=11 m=55 s=38
